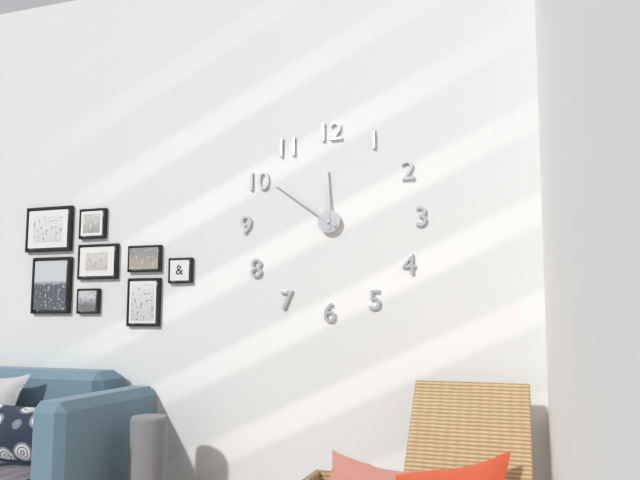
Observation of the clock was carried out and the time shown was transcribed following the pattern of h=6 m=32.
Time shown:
h=11 m=51
